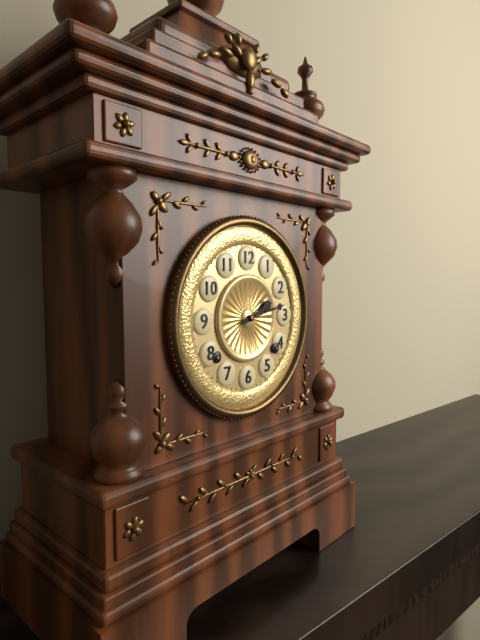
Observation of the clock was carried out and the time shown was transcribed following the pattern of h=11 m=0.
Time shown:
h=2 m=13
